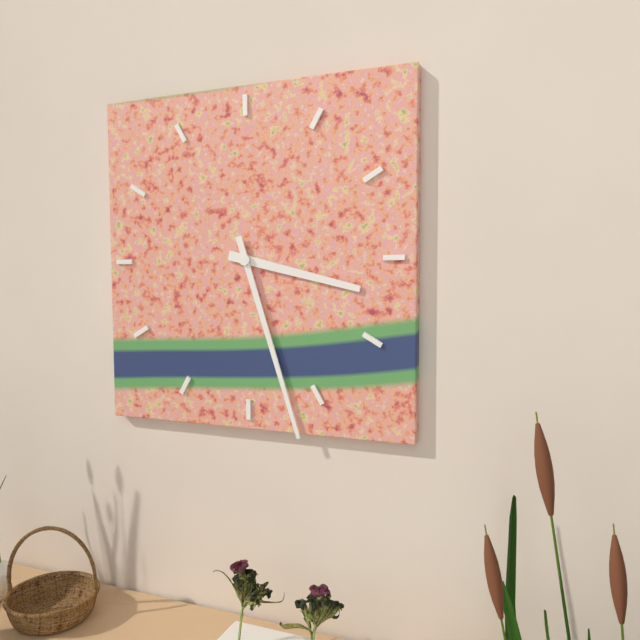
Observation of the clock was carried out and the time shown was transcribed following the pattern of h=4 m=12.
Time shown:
h=3 m=27
